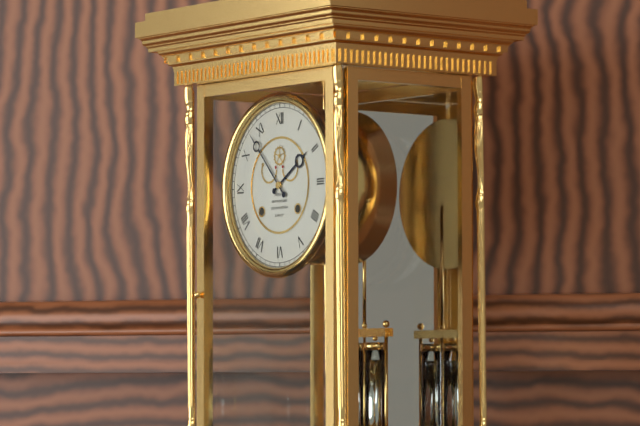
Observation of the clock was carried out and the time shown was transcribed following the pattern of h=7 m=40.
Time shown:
h=1 m=53
